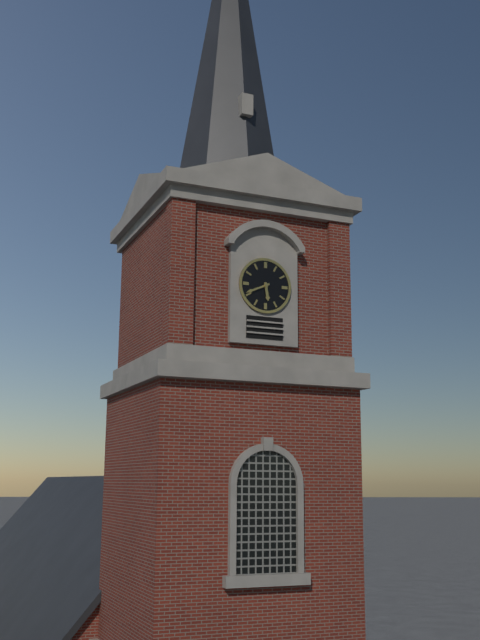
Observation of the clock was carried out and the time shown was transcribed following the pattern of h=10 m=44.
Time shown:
h=5 m=41
